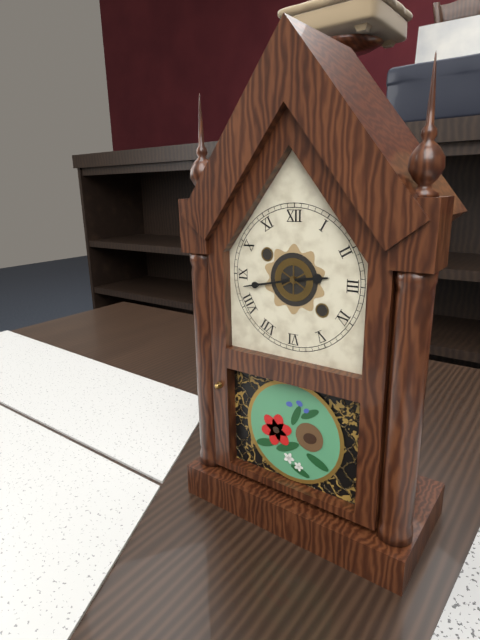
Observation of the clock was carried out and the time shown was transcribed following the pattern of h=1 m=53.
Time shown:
h=2 m=43
